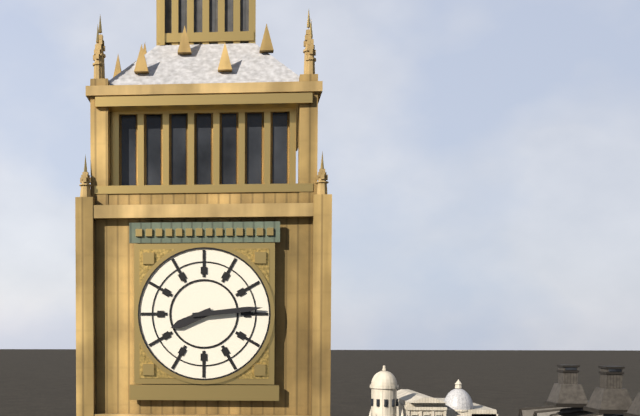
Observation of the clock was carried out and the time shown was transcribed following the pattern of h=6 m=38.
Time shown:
h=8 m=14
